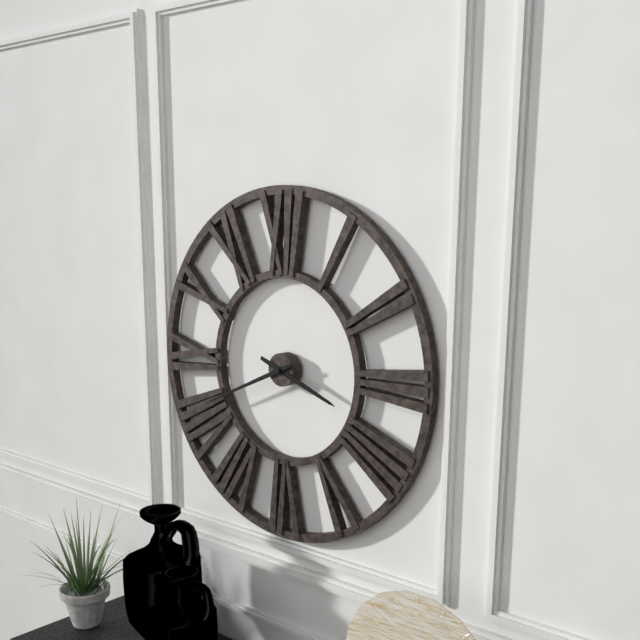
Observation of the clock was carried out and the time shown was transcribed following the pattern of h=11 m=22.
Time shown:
h=3 m=41
